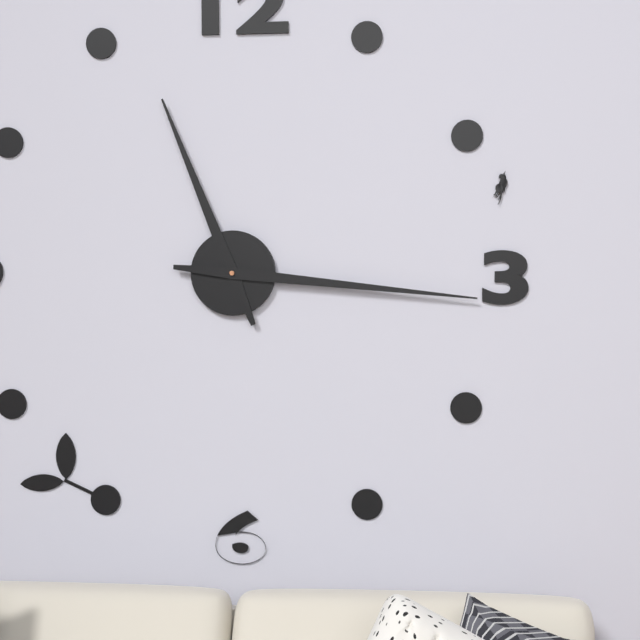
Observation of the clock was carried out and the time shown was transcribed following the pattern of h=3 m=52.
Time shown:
h=11 m=16
